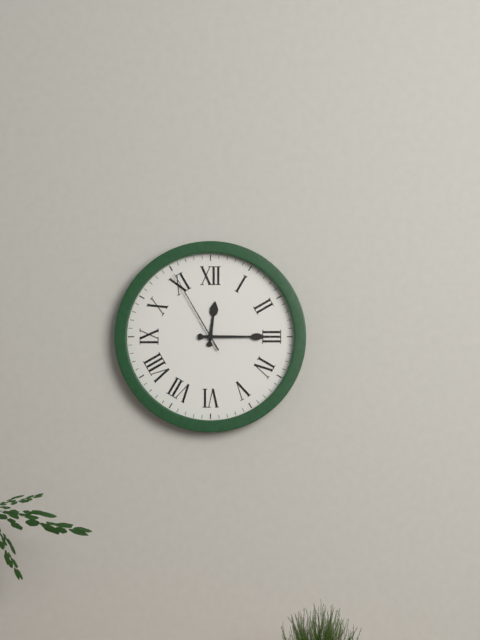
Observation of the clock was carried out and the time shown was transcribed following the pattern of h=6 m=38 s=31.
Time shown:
h=12 m=15 s=55
